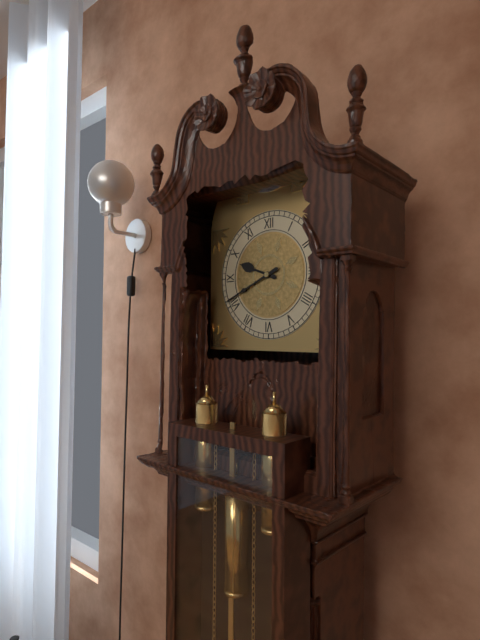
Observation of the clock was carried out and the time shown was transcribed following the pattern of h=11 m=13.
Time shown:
h=9 m=41
